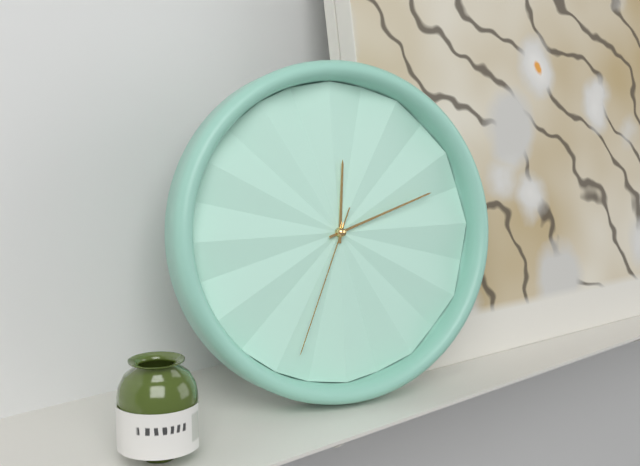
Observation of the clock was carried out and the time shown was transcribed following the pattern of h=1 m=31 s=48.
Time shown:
h=12 m=12 s=34
